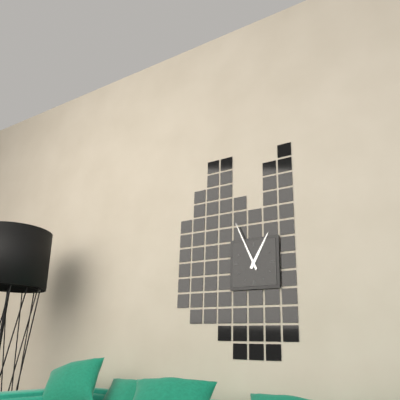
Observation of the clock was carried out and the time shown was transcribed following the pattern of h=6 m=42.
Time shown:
h=12 m=56
